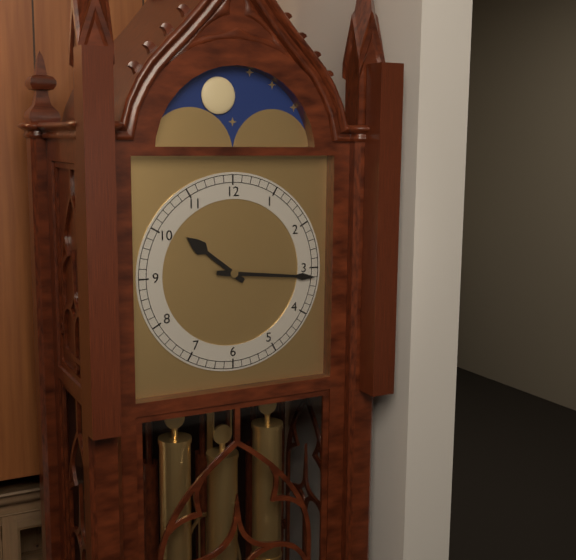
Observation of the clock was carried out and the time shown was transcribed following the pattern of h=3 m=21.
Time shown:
h=10 m=16
